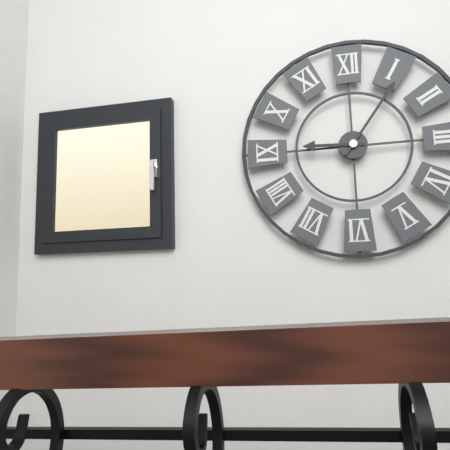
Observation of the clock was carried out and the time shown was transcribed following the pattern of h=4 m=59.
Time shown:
h=9 m=6
